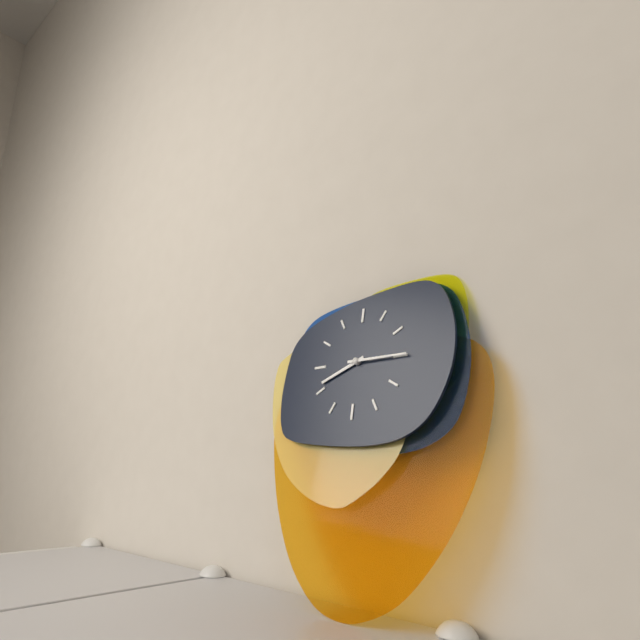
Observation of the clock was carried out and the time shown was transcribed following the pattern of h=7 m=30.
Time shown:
h=8 m=15
